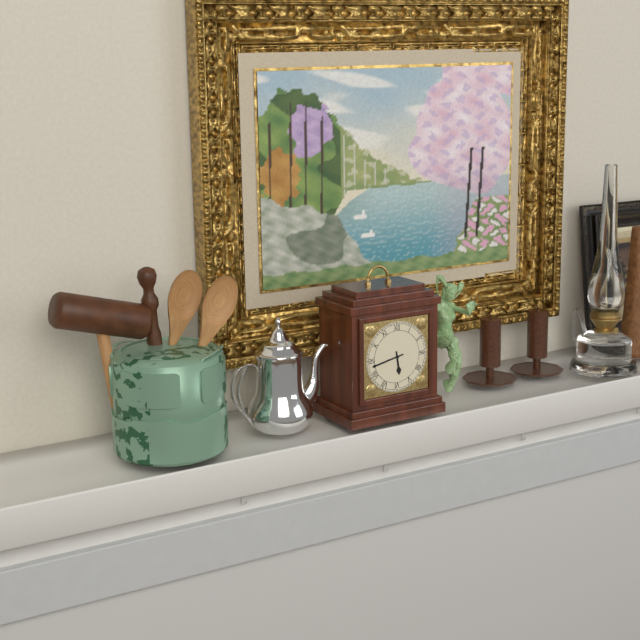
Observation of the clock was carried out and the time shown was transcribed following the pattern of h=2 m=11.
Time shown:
h=5 m=43
